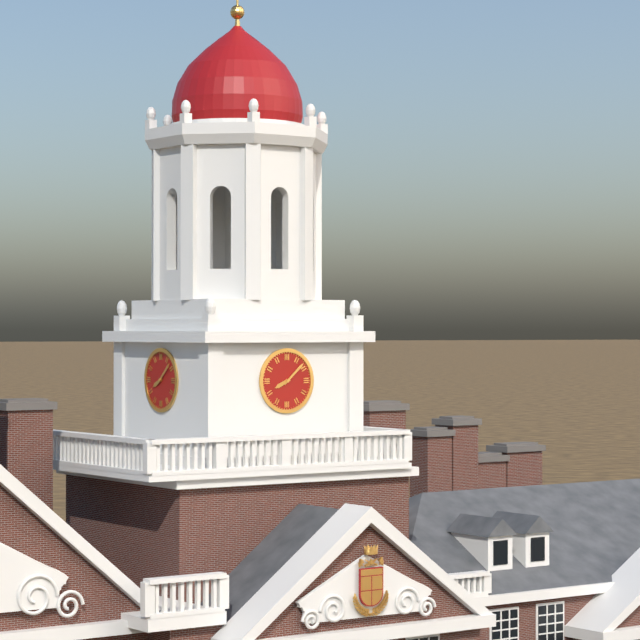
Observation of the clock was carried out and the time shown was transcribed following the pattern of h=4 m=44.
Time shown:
h=8 m=8
